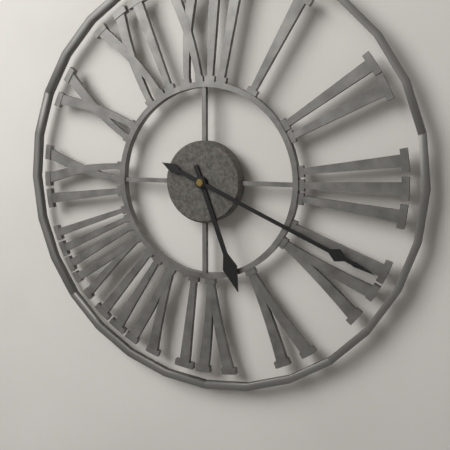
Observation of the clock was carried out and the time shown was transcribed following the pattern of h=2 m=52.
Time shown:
h=5 m=19
